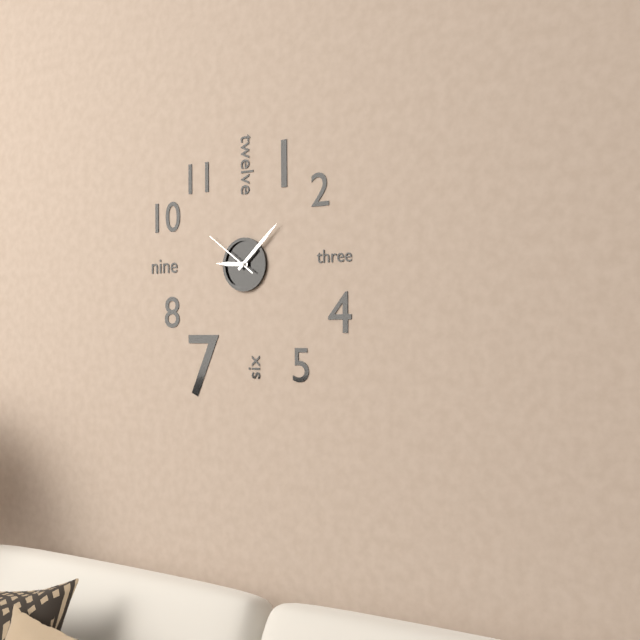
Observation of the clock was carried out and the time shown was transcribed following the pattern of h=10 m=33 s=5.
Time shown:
h=9 m=8 s=51
